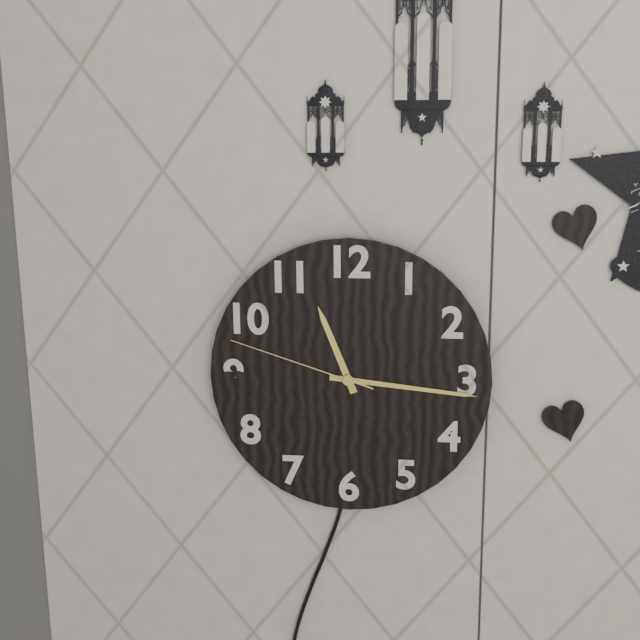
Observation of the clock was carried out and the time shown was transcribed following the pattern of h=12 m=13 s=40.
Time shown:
h=11 m=16 s=48
